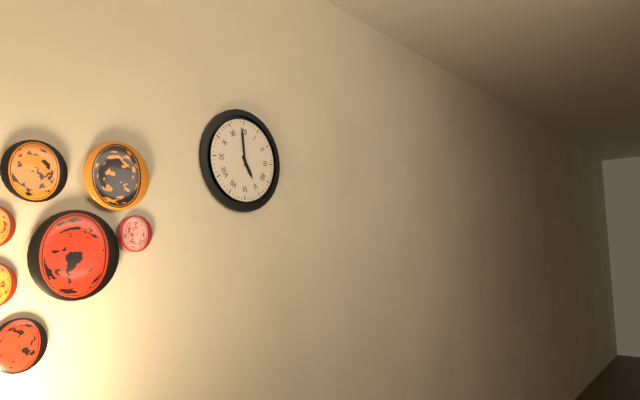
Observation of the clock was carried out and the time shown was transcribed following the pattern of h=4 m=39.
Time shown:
h=4 m=59
